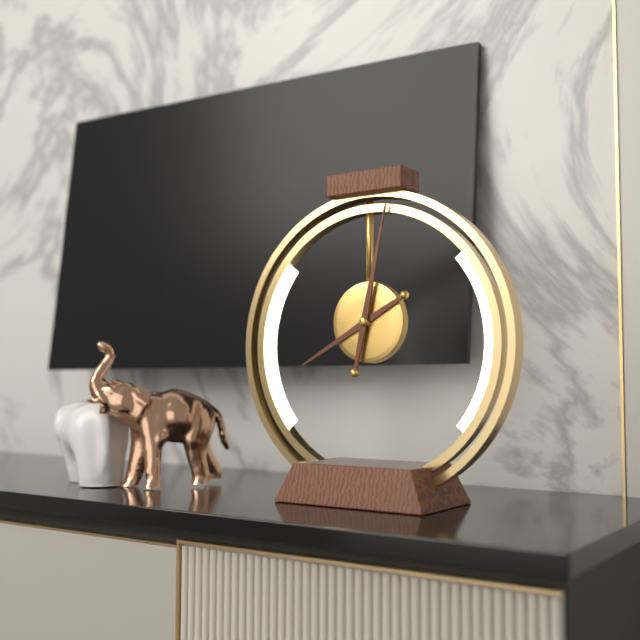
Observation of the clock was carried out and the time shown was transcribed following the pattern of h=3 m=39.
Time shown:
h=8 m=2
